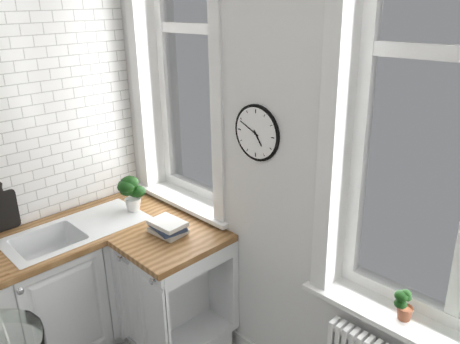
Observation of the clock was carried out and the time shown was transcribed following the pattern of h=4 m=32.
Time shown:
h=4 m=49
